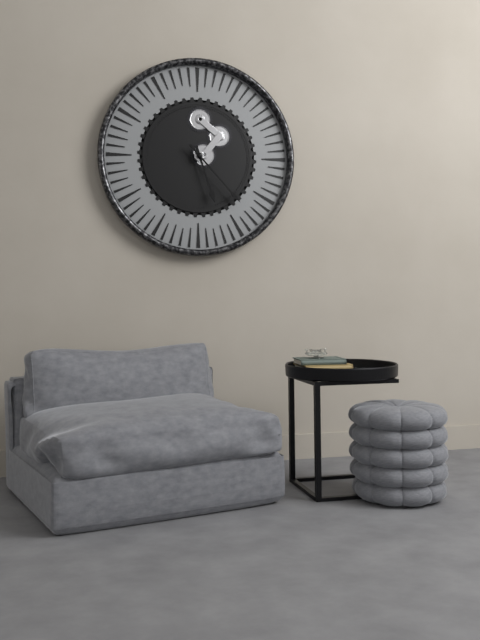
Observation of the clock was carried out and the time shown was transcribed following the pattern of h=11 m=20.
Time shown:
h=5 m=23
